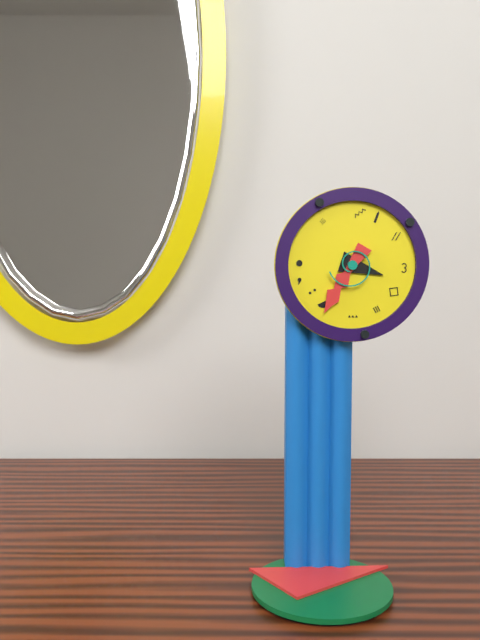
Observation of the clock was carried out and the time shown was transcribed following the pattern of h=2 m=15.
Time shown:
h=3 m=35
